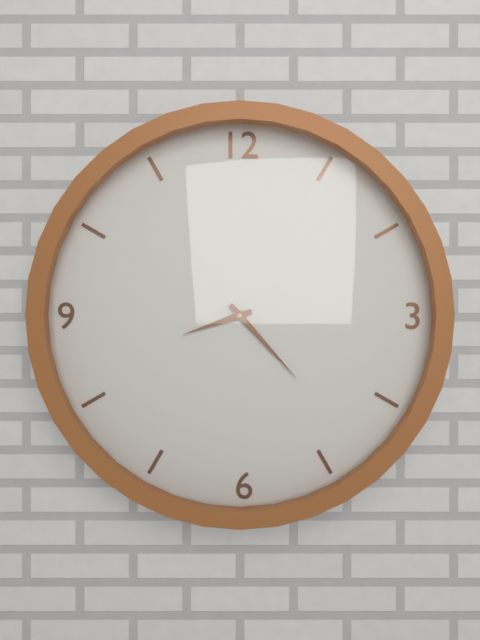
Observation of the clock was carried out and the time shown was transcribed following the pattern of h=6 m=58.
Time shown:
h=8 m=23
